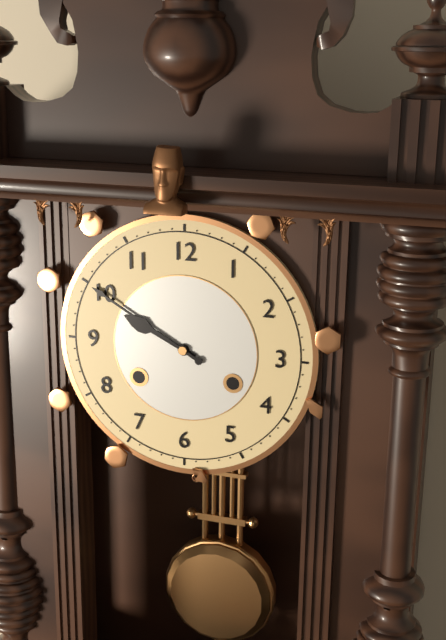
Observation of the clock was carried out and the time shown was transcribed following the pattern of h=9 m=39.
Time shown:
h=9 m=50
